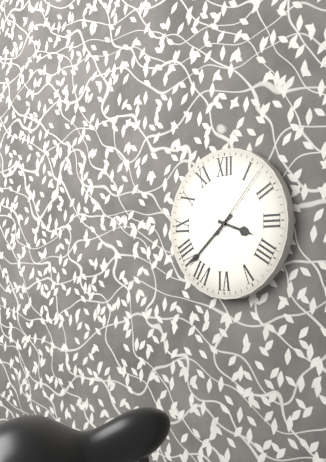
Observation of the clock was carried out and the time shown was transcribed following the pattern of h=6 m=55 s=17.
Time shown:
h=3 m=38 s=7
